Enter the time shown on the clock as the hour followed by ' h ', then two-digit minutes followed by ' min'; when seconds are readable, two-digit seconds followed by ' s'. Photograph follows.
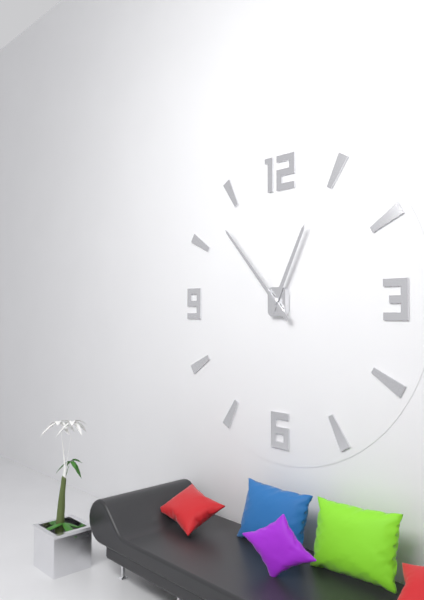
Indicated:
12 h 53 min
